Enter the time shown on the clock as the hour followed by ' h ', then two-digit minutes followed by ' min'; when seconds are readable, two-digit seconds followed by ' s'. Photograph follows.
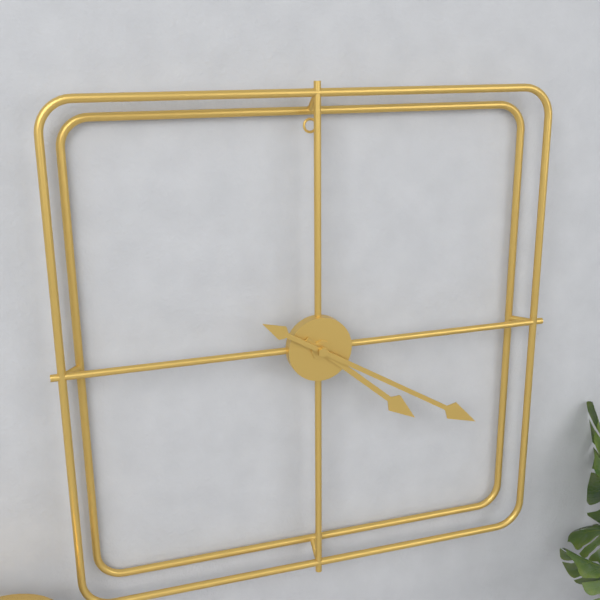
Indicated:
4 h 20 min
